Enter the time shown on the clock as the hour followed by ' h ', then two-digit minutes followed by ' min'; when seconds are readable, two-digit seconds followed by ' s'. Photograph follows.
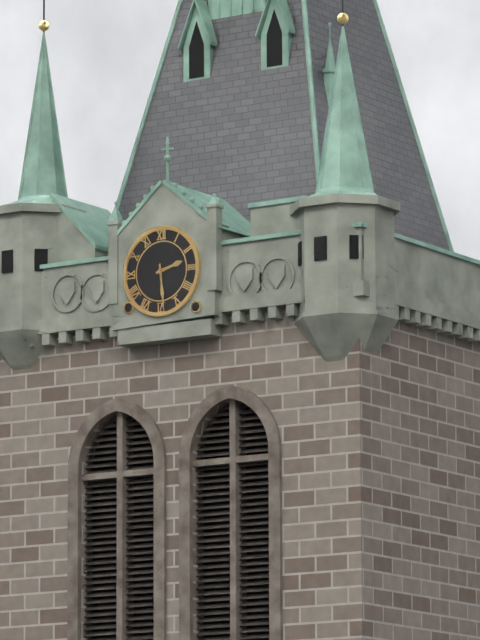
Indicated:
2 h 29 min
